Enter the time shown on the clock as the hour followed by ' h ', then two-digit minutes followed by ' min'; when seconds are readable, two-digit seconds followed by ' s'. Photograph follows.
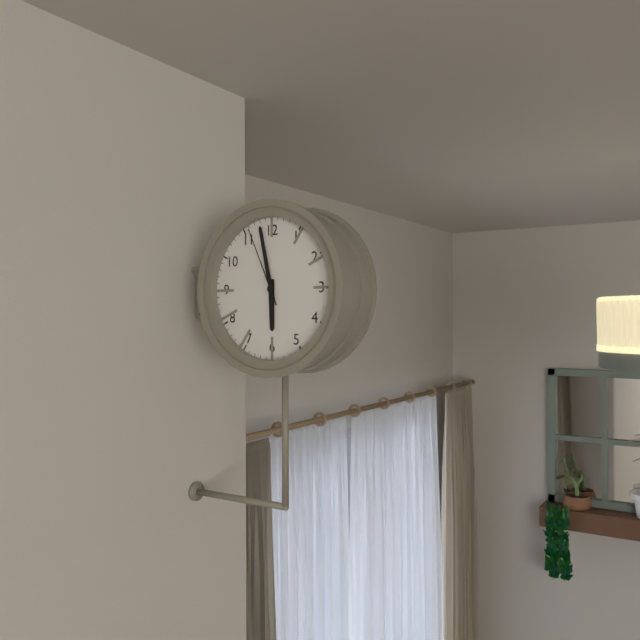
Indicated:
5 h 58 min 56 s
